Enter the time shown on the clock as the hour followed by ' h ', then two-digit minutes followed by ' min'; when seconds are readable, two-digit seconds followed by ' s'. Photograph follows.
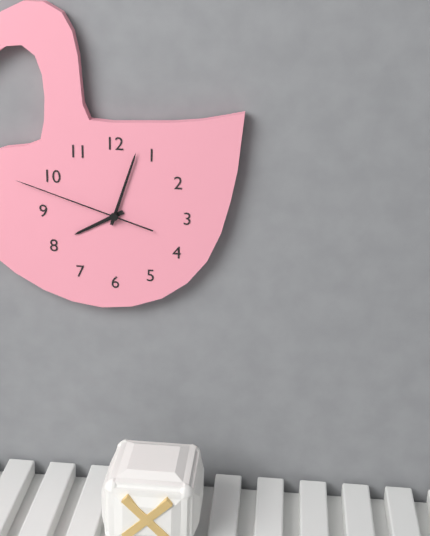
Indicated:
8 h 03 min 48 s
